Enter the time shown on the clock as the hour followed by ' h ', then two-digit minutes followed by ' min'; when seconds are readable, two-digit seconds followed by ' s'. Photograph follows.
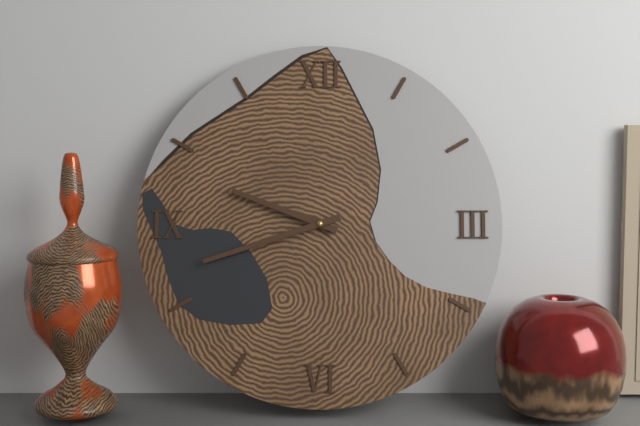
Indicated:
9 h 42 min
